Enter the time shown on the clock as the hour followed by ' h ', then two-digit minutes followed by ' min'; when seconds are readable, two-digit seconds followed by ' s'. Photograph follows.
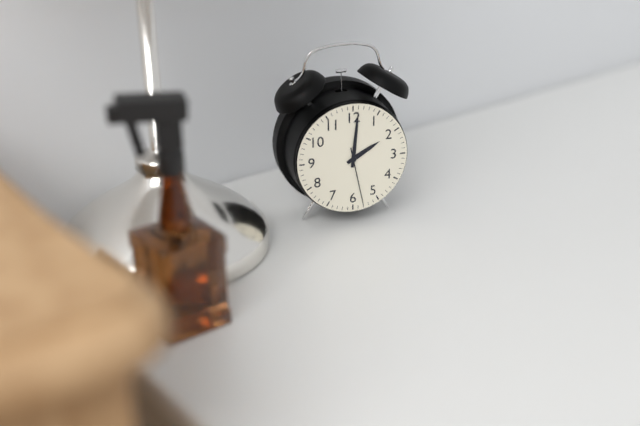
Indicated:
2 h 01 min 28 s
